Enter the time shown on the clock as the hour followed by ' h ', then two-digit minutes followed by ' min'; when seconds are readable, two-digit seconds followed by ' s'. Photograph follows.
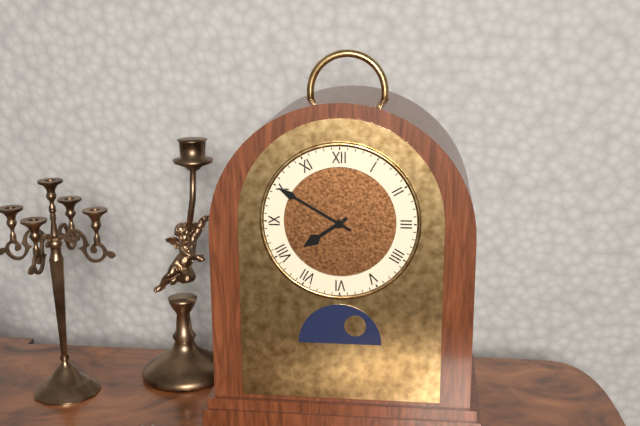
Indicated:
7 h 50 min
